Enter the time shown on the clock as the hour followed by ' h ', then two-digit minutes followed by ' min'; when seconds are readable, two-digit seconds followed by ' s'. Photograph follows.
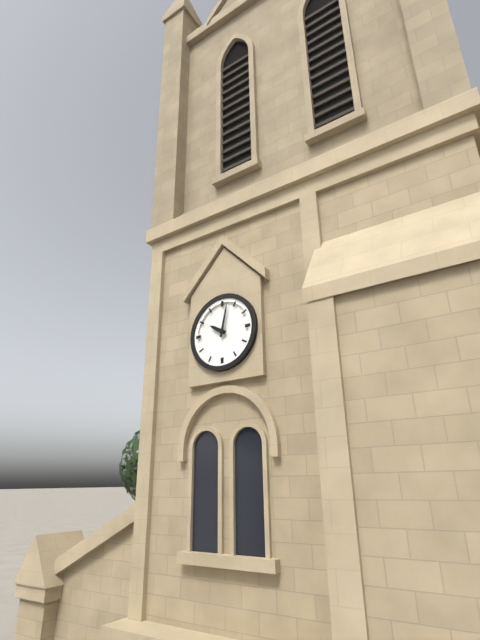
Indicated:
10 h 02 min
